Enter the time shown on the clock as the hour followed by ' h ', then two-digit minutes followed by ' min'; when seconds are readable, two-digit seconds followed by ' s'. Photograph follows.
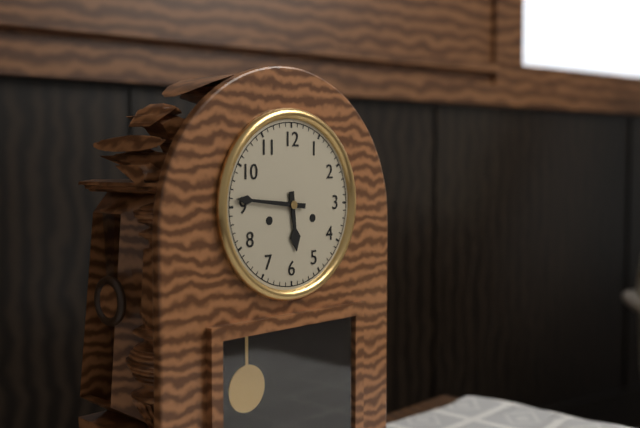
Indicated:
5 h 46 min
